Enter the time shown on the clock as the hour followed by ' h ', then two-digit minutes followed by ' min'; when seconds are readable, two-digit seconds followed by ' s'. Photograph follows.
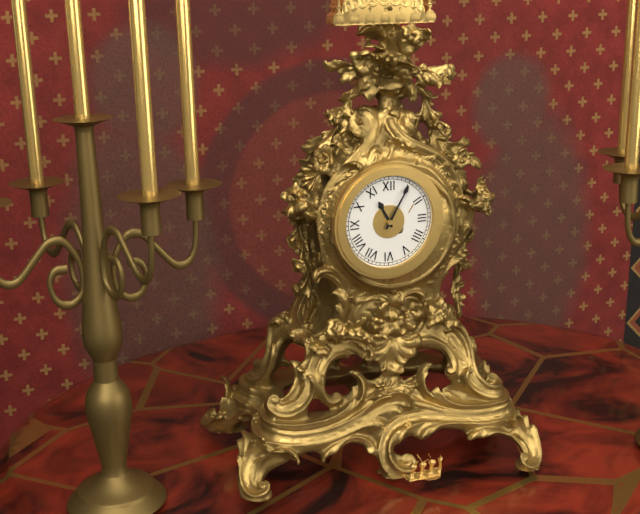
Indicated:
11 h 05 min
